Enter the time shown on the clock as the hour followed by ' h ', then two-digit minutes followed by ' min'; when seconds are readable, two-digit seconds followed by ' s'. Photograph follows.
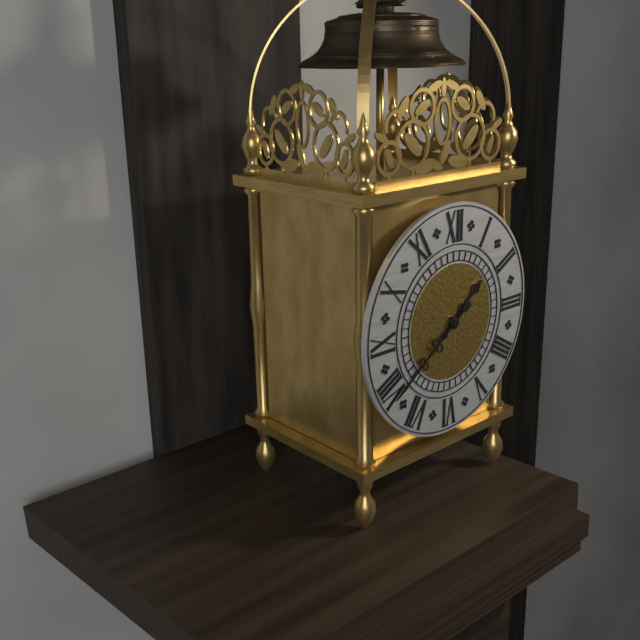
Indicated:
1 h 39 min
